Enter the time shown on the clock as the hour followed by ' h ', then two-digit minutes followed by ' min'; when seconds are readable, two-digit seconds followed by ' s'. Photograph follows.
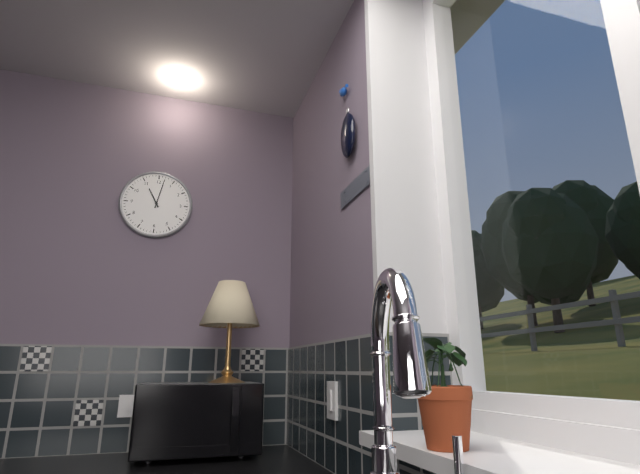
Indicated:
11 h 02 min
